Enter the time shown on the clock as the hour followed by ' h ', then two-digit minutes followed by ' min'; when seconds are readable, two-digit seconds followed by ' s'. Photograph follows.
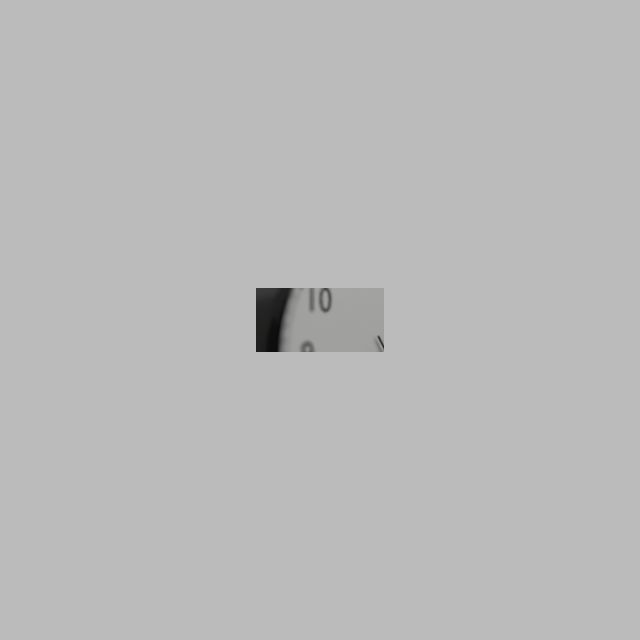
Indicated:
2 h 14 min 24 s
